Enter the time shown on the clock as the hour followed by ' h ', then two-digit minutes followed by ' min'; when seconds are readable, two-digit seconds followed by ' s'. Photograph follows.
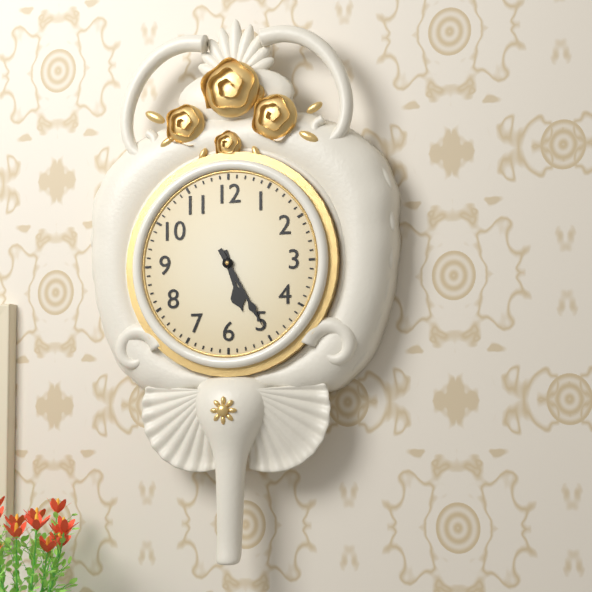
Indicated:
5 h 25 min
